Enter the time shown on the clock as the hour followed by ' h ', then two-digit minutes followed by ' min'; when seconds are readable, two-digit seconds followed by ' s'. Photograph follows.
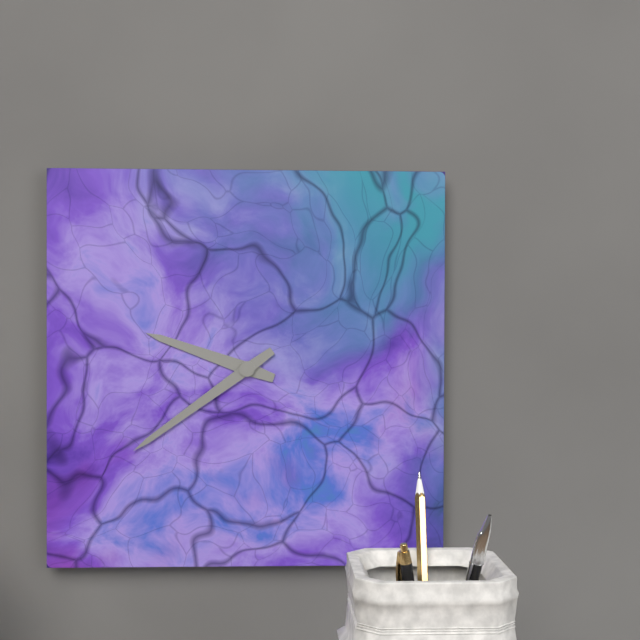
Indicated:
9 h 39 min
